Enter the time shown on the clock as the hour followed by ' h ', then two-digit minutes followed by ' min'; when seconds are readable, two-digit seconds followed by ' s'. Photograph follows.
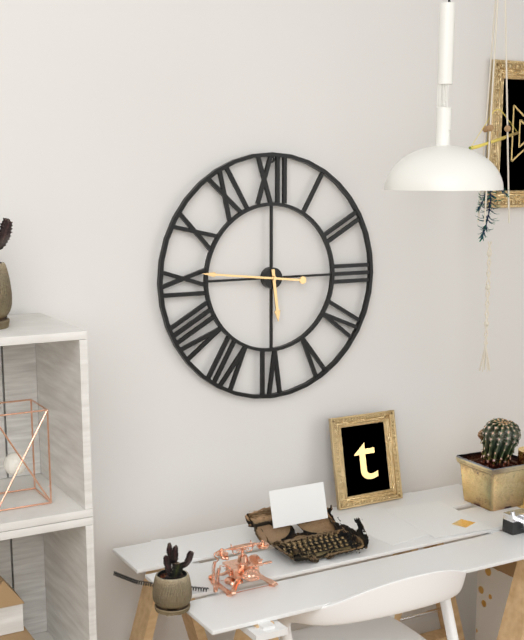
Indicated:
5 h 46 min
